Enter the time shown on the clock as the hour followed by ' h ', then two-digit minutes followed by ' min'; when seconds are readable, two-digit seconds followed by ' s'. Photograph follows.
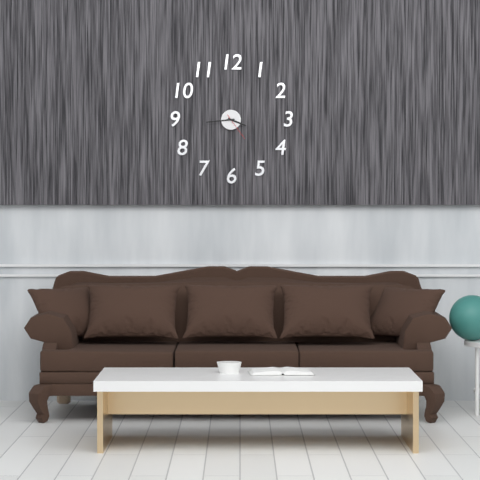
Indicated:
3 h 44 min
